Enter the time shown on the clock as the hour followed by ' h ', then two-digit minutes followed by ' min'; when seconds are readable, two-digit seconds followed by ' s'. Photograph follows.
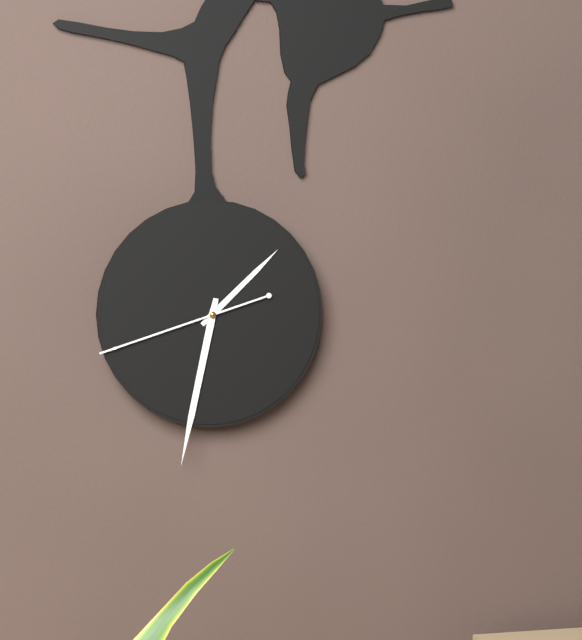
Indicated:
1 h 32 min 42 s
